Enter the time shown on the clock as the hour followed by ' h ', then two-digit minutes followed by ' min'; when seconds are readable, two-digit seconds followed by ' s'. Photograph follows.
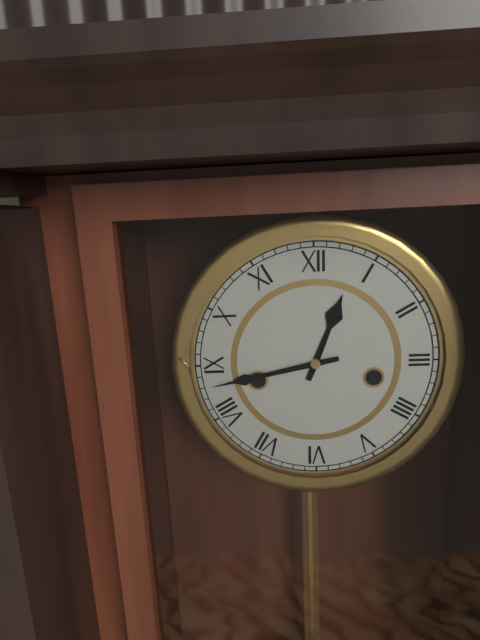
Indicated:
12 h 43 min
